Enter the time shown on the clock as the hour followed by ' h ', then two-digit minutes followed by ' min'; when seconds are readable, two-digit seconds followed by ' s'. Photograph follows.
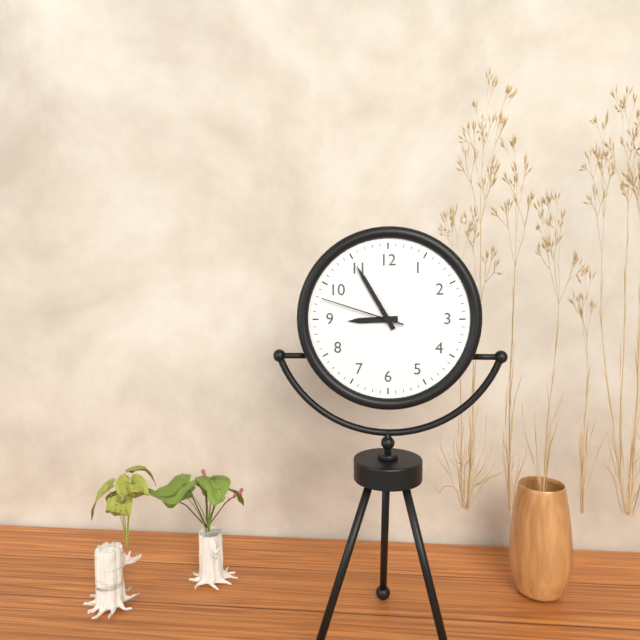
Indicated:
8 h 55 min 48 s
